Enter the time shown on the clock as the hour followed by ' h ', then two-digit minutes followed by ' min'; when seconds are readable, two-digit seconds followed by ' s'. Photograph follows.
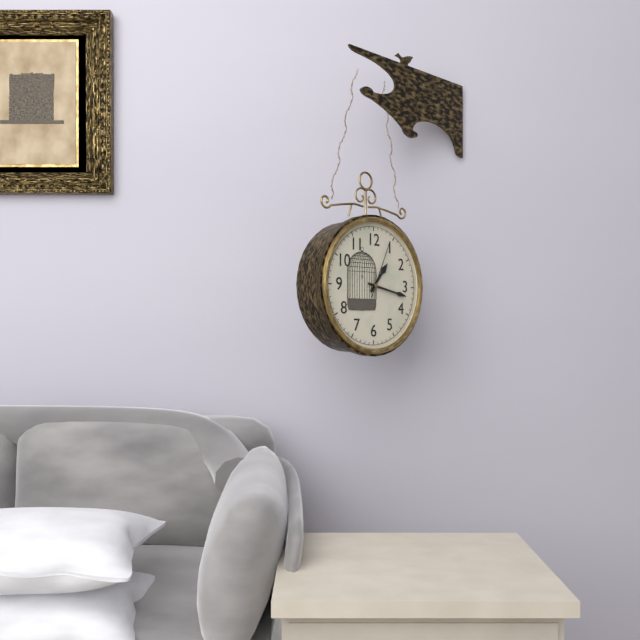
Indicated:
1 h 17 min 04 s
